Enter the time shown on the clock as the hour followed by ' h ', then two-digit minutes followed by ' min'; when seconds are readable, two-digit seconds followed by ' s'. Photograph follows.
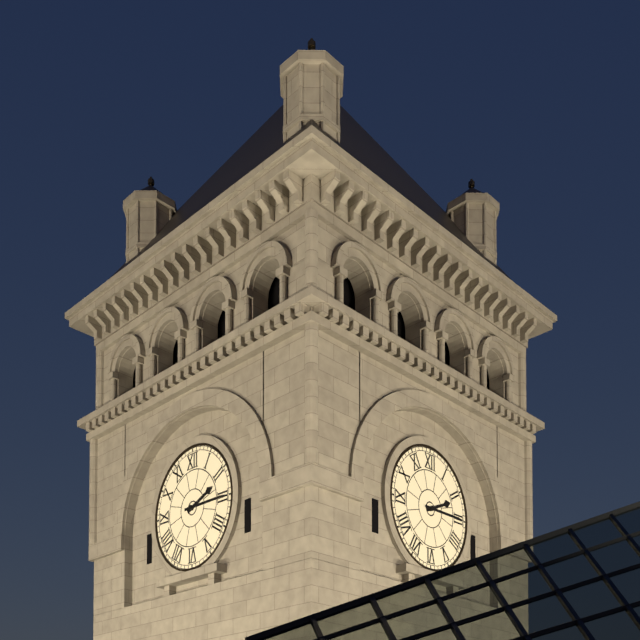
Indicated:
2 h 15 min
